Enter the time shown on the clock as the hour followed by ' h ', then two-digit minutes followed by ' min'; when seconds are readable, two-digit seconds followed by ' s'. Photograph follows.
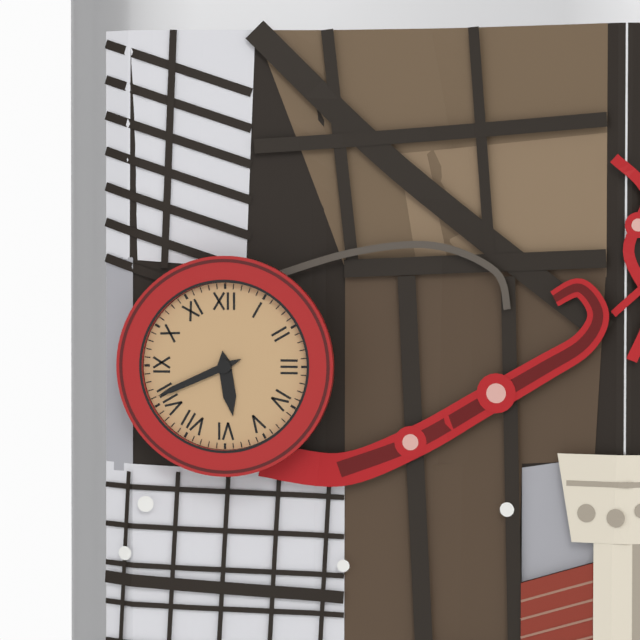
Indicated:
5 h 41 min
